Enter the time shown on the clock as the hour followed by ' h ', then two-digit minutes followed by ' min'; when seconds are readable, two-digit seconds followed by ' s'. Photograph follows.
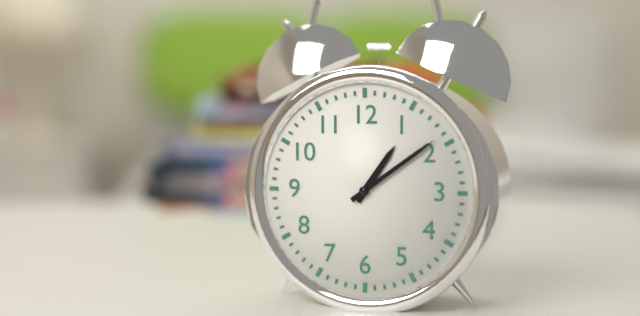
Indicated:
1 h 09 min
